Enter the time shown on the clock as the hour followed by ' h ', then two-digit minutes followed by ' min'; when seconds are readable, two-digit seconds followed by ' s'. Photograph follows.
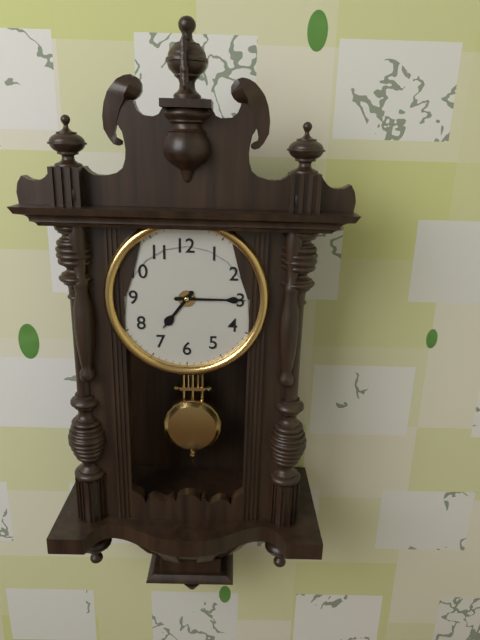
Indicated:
7 h 15 min
